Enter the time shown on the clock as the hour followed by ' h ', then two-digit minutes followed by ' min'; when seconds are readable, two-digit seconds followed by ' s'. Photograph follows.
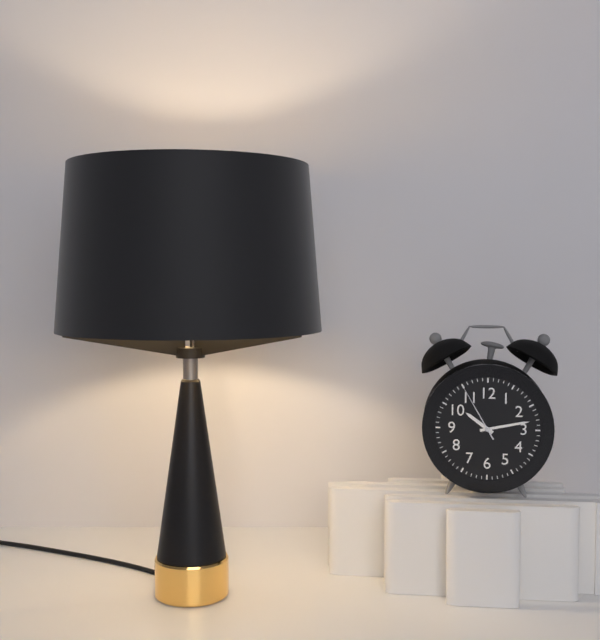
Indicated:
10 h 13 min 55 s
